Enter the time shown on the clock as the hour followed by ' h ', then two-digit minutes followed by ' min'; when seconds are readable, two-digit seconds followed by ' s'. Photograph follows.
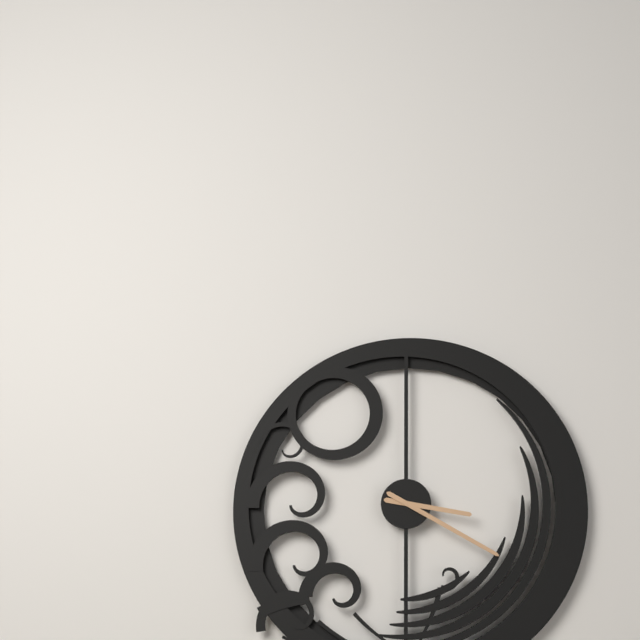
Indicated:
3 h 20 min
